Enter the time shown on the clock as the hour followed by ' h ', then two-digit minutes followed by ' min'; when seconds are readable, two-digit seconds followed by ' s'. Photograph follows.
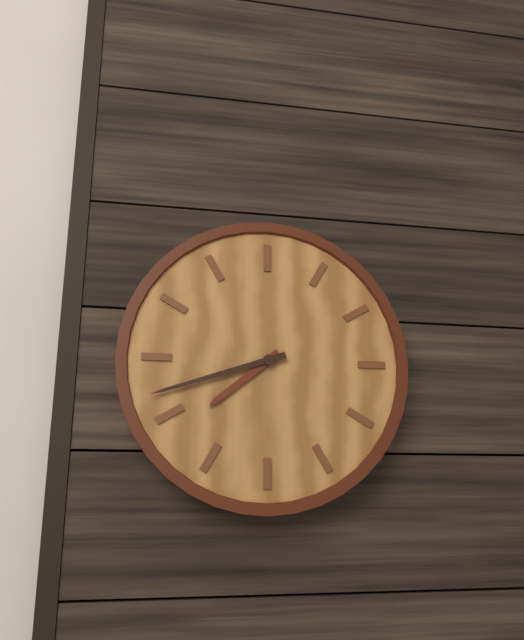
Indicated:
7 h 42 min
